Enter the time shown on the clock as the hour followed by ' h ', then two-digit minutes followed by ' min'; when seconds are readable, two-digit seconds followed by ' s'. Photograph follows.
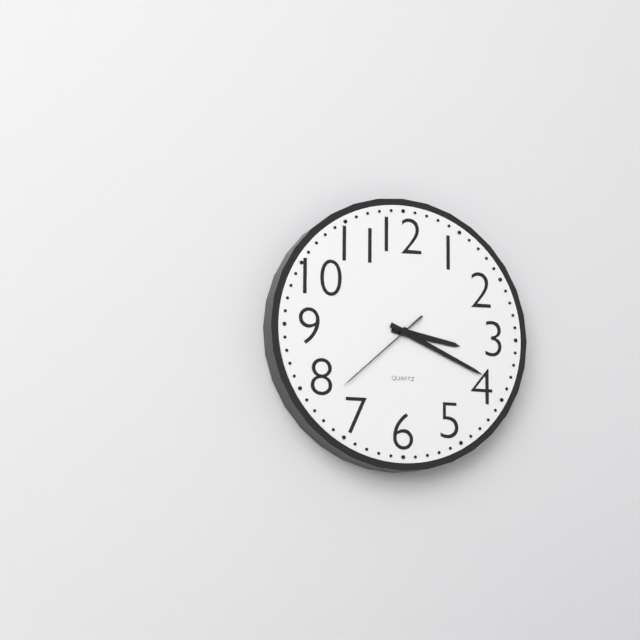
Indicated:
3 h 19 min 38 s
